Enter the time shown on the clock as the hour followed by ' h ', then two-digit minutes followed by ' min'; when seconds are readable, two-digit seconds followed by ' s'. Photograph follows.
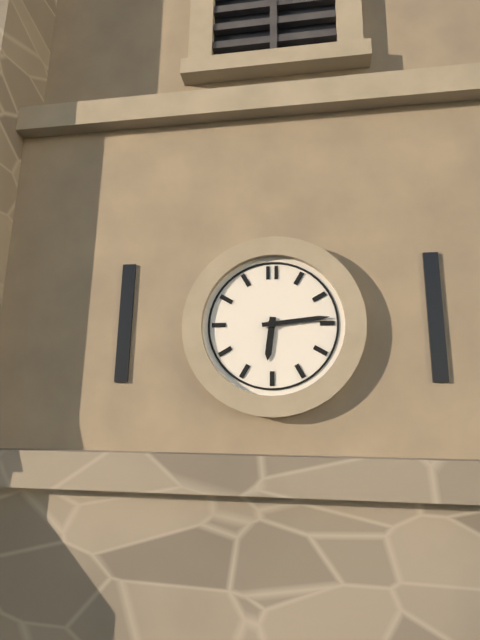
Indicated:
6 h 14 min
